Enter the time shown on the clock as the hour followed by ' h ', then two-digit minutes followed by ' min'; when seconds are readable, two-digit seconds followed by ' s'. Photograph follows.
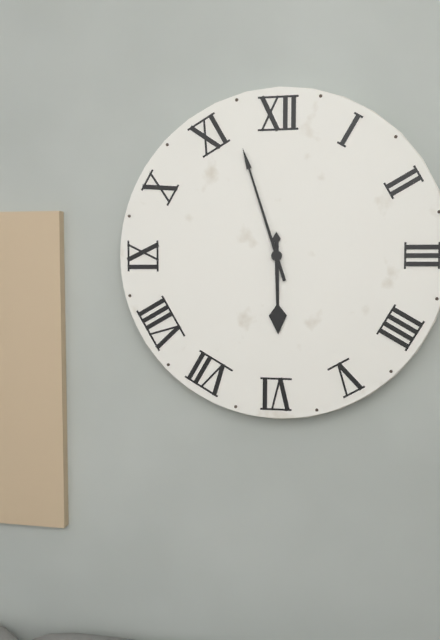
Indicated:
5 h 57 min
